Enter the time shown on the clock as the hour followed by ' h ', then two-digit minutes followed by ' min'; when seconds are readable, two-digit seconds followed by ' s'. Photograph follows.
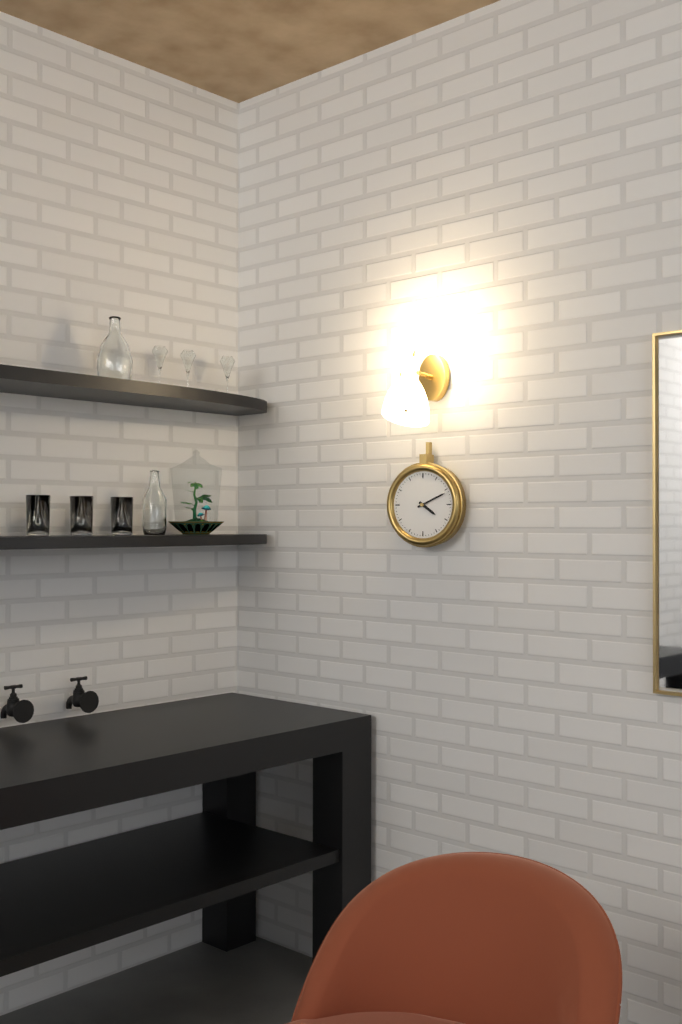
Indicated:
4 h 11 min
